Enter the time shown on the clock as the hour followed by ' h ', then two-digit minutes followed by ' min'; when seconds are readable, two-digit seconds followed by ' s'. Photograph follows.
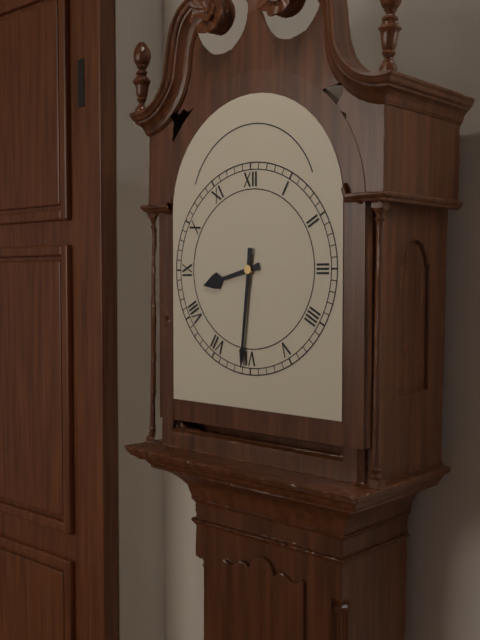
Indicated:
8 h 31 min
